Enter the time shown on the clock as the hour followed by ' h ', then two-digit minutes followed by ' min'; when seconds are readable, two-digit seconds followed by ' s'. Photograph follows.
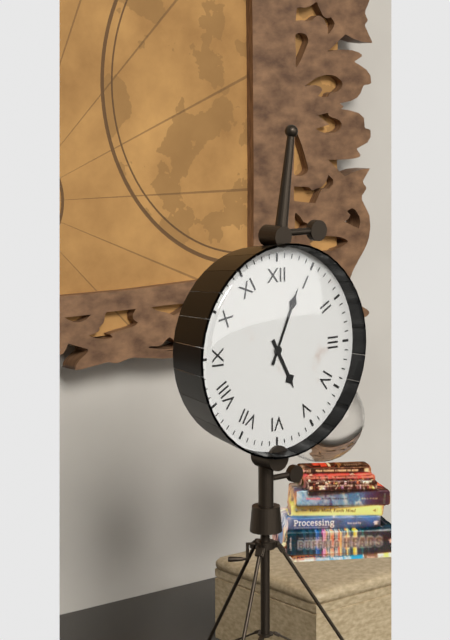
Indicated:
5 h 04 min
